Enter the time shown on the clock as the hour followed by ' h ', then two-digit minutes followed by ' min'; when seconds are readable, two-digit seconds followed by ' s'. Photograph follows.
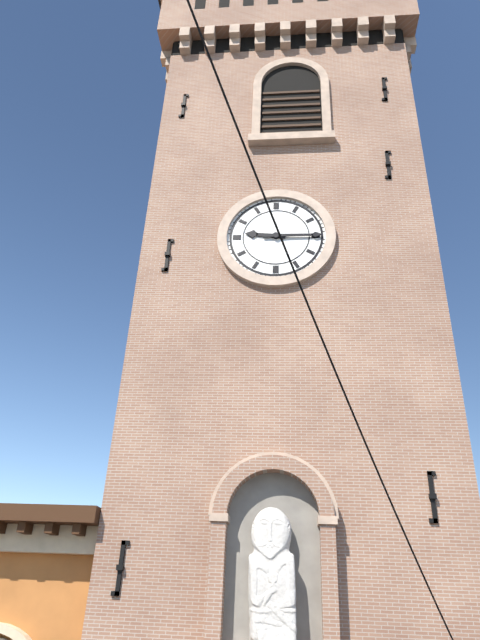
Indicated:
9 h 15 min
